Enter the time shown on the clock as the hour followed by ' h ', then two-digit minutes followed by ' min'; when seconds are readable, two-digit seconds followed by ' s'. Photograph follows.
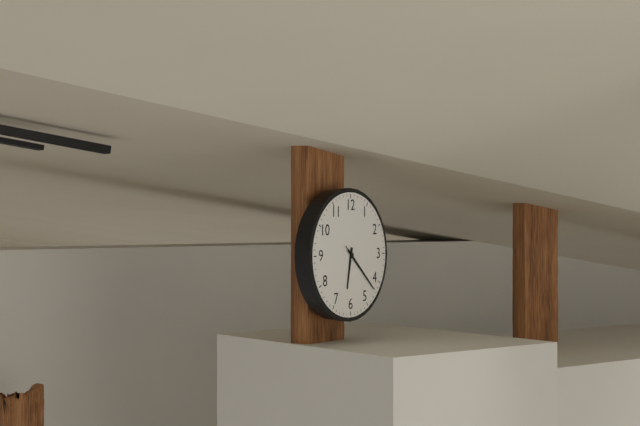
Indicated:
6 h 22 min 22 s
